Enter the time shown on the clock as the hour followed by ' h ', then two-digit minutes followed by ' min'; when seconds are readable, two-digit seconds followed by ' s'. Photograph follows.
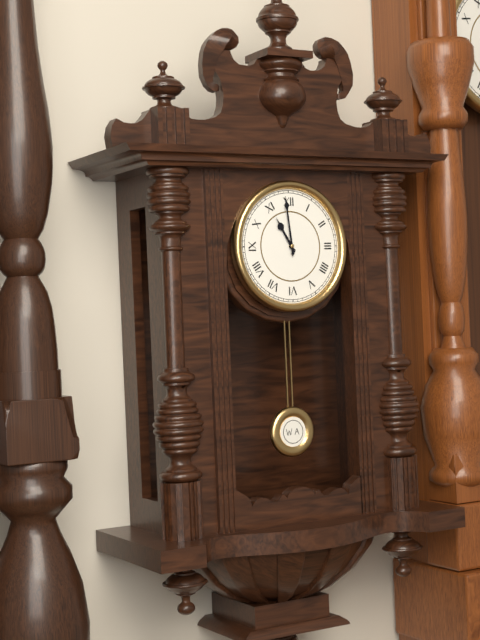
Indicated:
10 h 59 min
